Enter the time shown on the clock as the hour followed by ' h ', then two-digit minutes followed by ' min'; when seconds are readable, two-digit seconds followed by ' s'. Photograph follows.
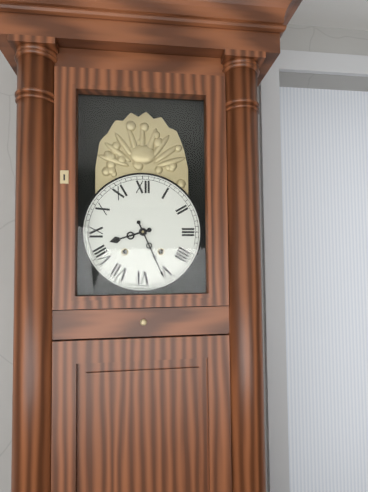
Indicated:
8 h 26 min
